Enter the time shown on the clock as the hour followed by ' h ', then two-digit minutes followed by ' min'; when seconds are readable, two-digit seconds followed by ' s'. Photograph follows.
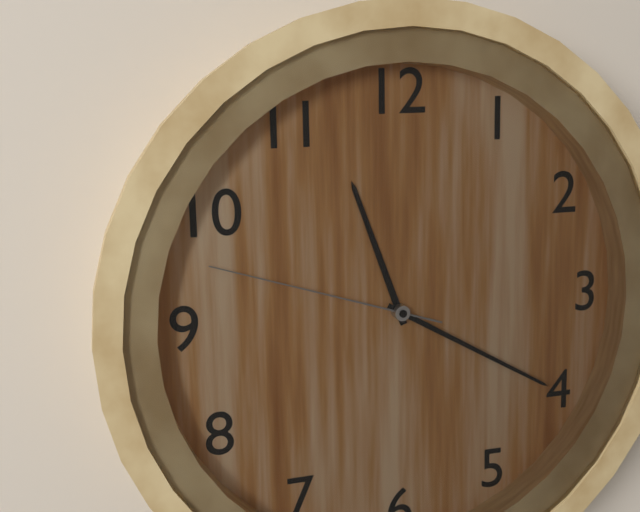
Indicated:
11 h 20 min 48 s
